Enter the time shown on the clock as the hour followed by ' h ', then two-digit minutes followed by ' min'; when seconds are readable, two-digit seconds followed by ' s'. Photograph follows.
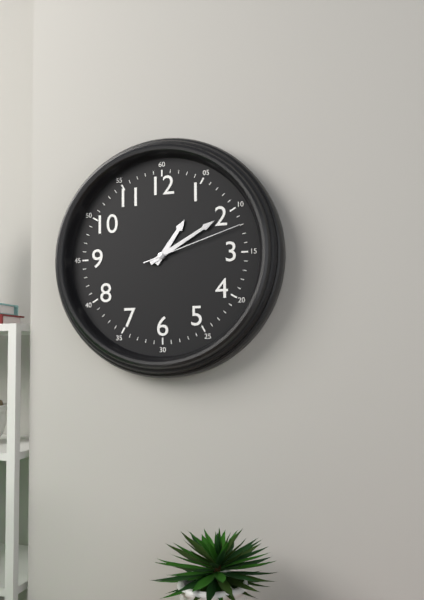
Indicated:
1 h 10 min 12 s
